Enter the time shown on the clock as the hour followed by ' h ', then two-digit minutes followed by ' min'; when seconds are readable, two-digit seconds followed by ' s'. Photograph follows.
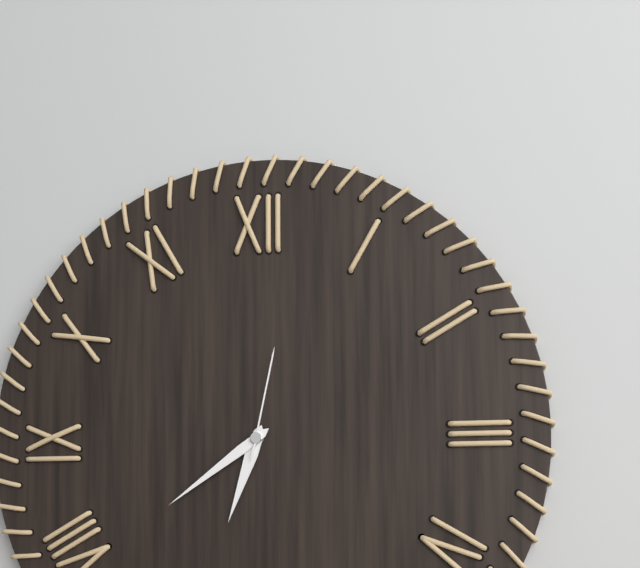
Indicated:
6 h 39 min 02 s
